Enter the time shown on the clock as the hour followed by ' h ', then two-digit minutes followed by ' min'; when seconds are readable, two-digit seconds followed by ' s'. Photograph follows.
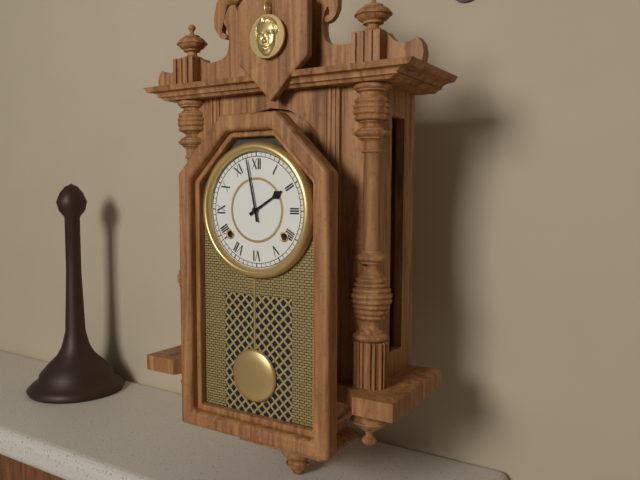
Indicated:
1 h 58 min
